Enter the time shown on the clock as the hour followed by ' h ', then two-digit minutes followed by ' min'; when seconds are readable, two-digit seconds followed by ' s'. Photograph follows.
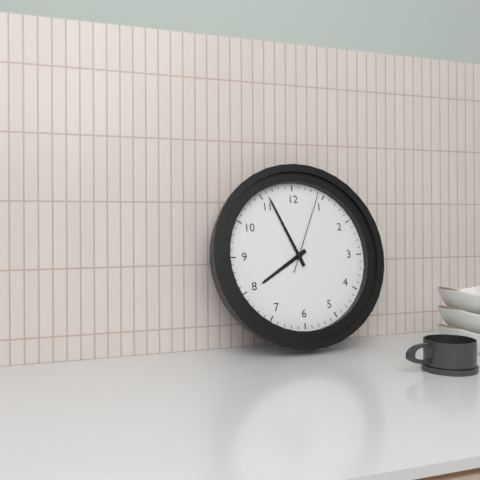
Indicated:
7 h 56 min 04 s
